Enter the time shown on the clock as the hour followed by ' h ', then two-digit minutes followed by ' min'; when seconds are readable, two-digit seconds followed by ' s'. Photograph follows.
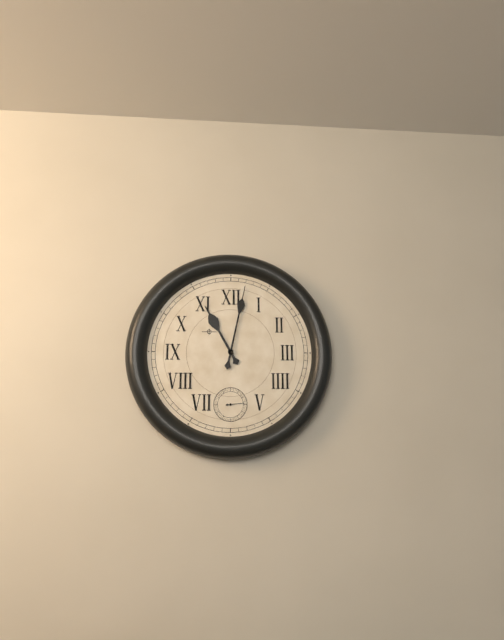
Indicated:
11 h 02 min
